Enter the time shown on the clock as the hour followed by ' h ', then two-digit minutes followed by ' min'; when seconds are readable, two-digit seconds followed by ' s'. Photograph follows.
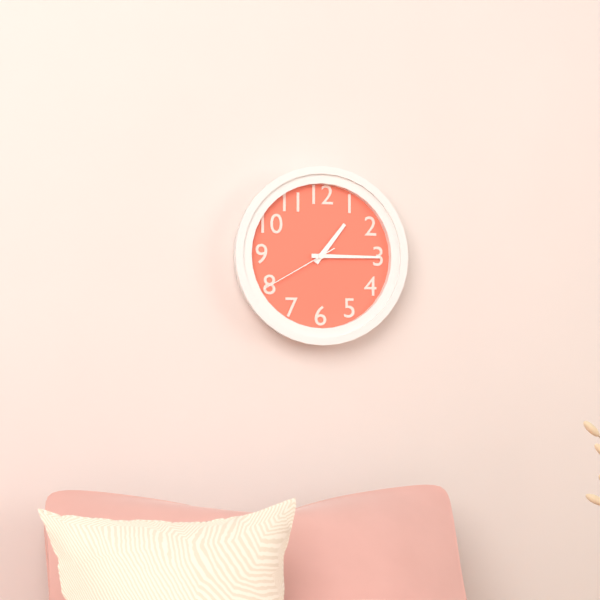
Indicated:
1 h 15 min 40 s
